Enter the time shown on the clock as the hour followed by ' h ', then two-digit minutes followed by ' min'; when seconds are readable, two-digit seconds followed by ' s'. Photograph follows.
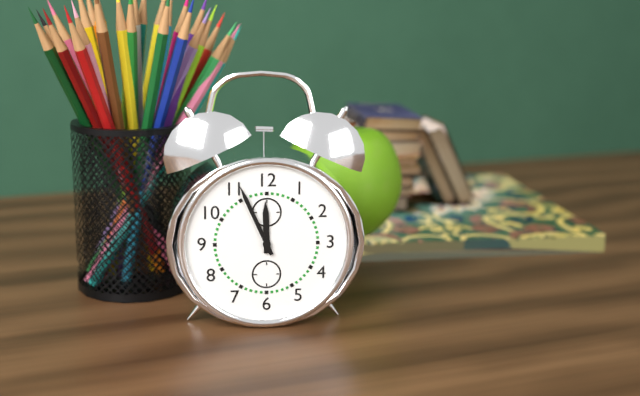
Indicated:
11 h 56 min
